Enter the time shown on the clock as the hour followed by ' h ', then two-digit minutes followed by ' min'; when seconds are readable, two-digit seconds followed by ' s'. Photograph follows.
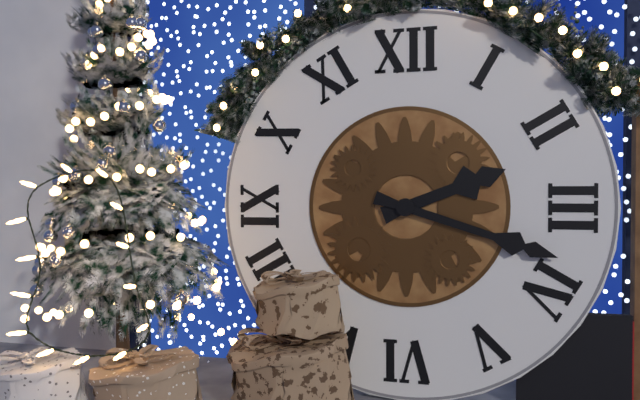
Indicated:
2 h 18 min
